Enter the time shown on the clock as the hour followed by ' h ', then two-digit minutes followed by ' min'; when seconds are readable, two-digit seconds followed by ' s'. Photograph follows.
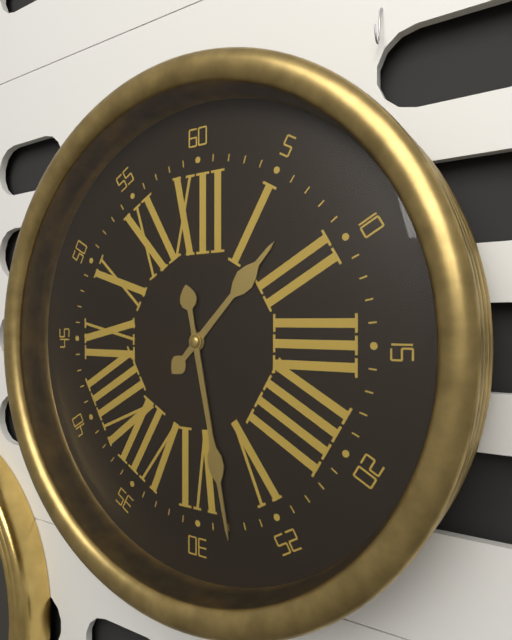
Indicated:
1 h 28 min
